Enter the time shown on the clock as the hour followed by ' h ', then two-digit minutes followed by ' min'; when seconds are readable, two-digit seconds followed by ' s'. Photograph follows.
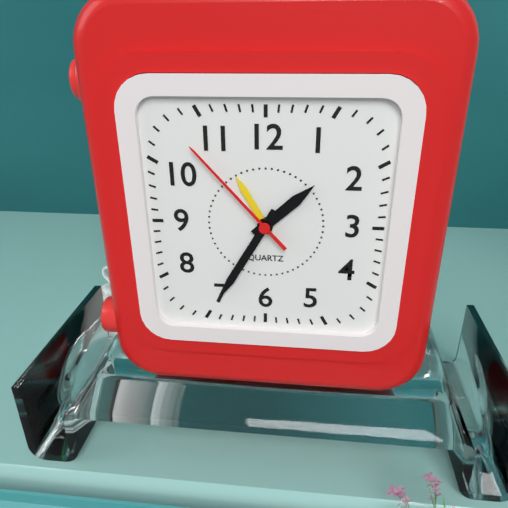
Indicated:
1 h 35 min 53 s
